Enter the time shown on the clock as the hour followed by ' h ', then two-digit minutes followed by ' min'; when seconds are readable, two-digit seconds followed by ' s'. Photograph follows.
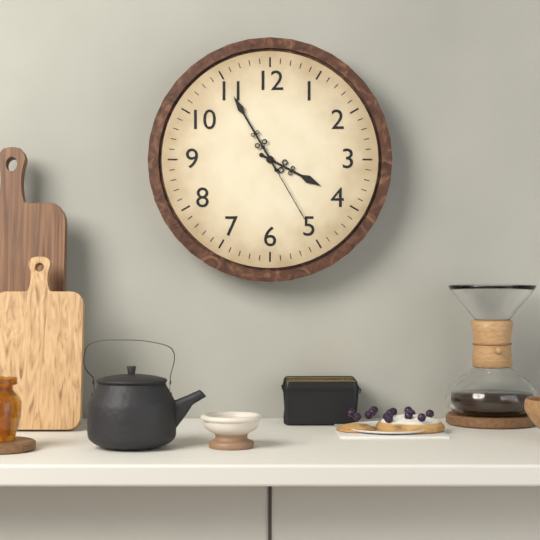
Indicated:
3 h 55 min 25 s
